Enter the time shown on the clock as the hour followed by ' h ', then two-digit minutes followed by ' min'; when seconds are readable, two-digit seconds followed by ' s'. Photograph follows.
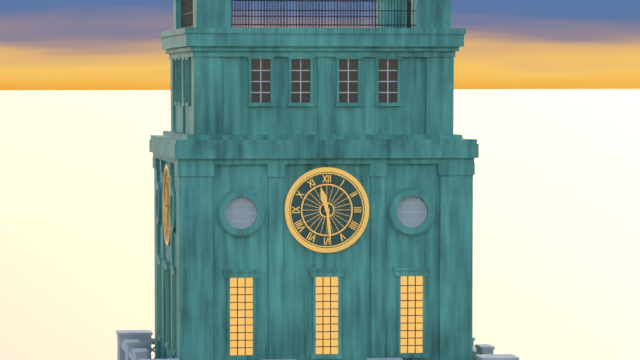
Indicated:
11 h 29 min
